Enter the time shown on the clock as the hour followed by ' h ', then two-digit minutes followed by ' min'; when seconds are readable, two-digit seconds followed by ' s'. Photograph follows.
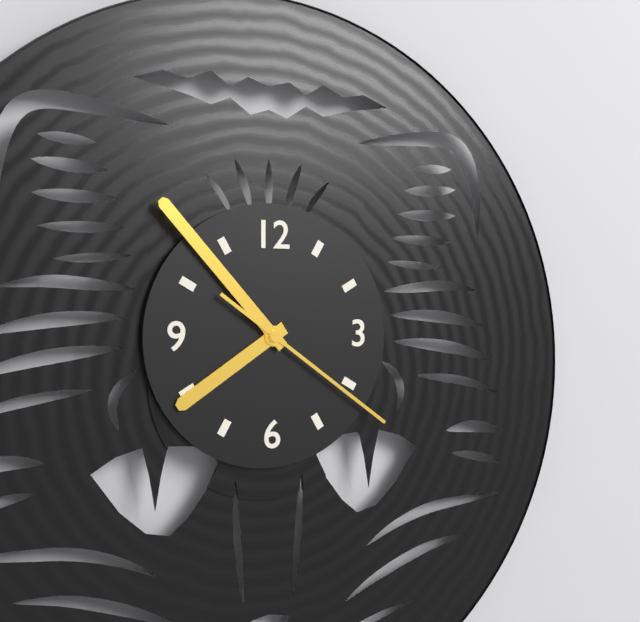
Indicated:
7 h 53 min 21 s
